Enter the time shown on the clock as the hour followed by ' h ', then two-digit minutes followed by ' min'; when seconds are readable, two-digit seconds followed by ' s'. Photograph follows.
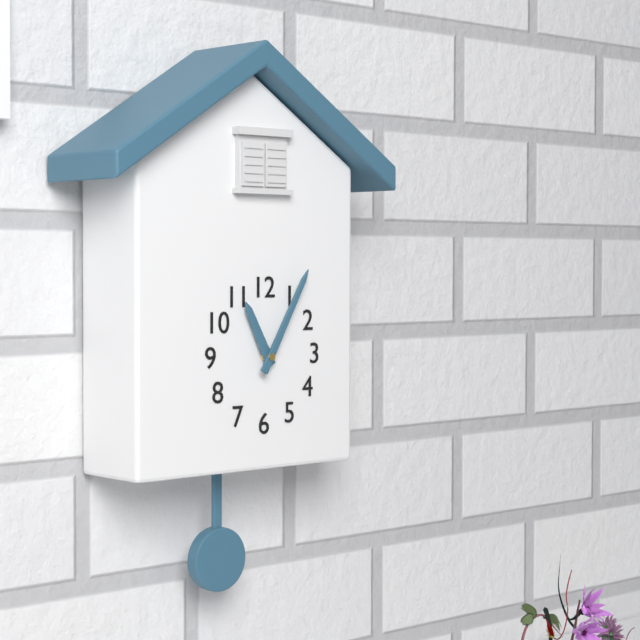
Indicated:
11 h 05 min
